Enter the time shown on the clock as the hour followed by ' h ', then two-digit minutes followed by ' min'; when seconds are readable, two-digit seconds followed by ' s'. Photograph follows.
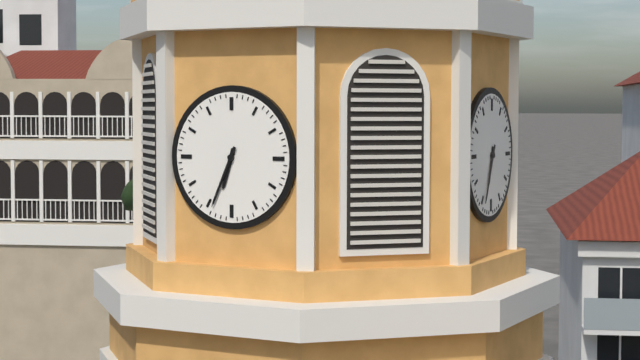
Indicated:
6 h 34 min
